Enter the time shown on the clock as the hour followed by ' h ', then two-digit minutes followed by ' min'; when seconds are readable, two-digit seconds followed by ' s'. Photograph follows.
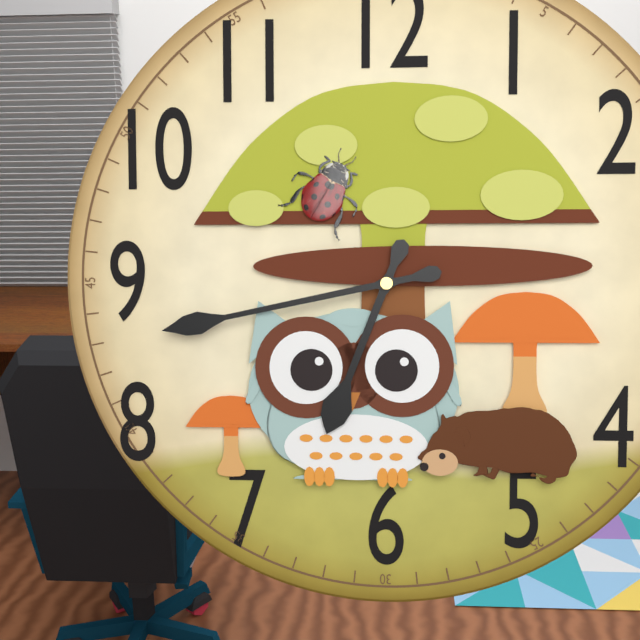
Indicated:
6 h 43 min
